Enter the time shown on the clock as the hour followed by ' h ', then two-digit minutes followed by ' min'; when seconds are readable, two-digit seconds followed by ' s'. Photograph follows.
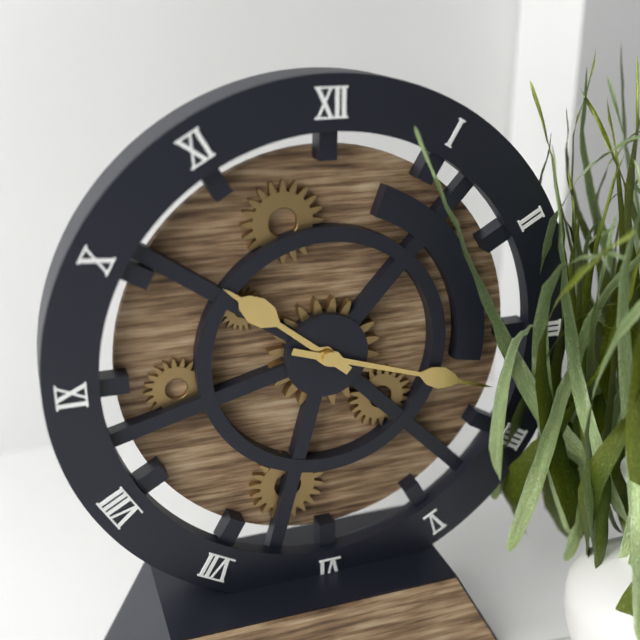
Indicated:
10 h 18 min
